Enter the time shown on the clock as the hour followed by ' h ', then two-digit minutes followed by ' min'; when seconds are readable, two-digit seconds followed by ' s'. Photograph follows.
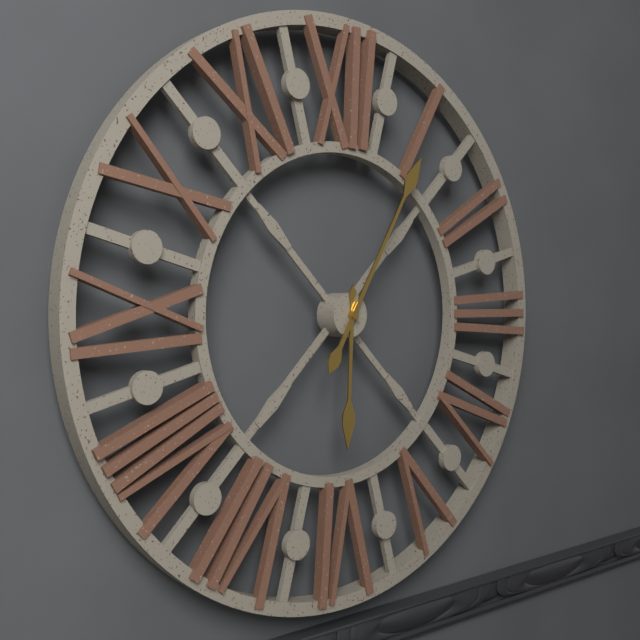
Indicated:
6 h 05 min
